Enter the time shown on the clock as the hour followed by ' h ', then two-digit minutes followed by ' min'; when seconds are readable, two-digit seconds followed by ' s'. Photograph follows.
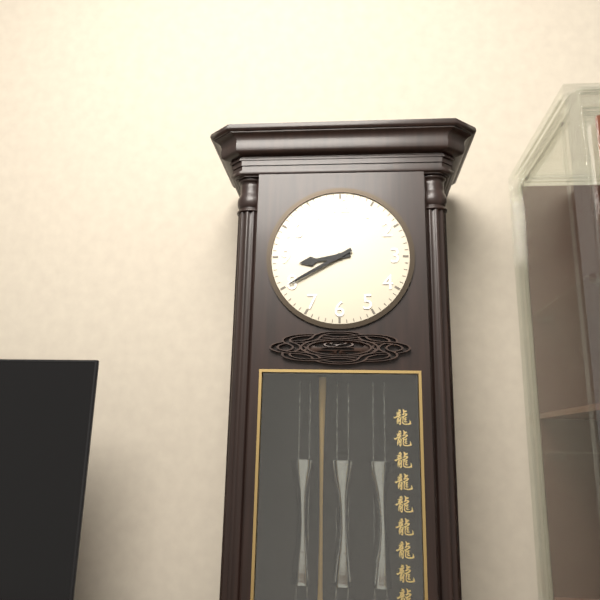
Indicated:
8 h 40 min
